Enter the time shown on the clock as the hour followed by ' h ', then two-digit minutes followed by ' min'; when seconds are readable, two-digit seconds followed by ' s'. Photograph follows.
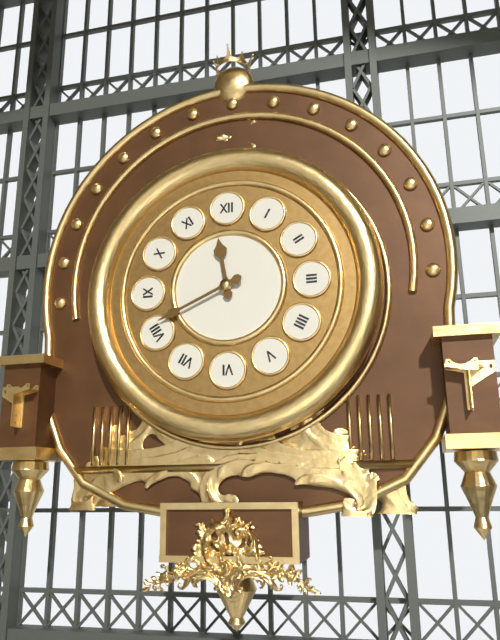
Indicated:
11 h 41 min
